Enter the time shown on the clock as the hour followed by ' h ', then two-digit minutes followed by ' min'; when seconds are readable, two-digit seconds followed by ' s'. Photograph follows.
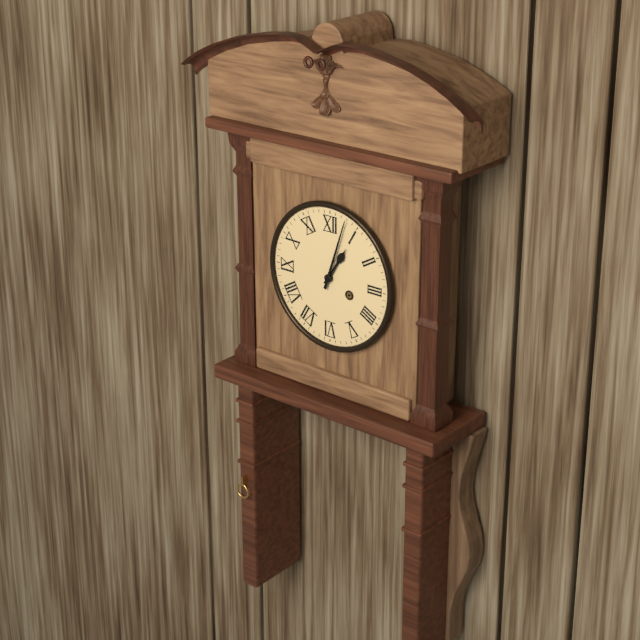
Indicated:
1 h 03 min
